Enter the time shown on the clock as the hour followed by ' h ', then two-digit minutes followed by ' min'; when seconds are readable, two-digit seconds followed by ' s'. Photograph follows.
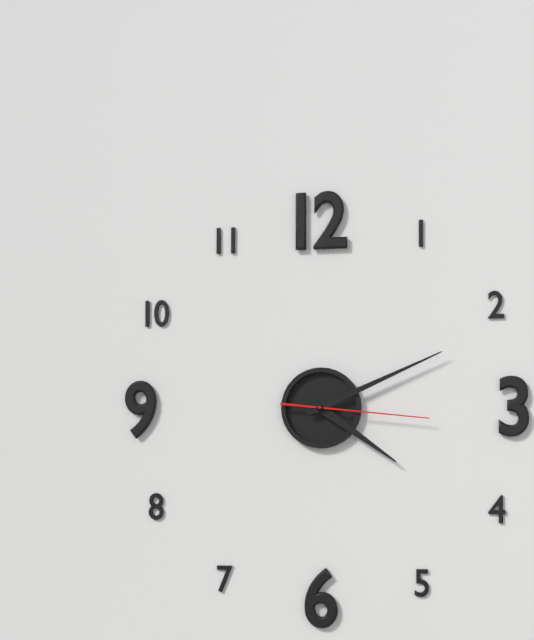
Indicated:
4 h 11 min 16 s
